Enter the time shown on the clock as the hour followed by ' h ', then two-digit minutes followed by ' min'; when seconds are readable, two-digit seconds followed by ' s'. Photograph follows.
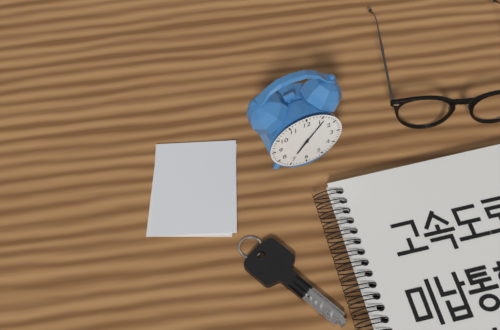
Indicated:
7 h 06 min
